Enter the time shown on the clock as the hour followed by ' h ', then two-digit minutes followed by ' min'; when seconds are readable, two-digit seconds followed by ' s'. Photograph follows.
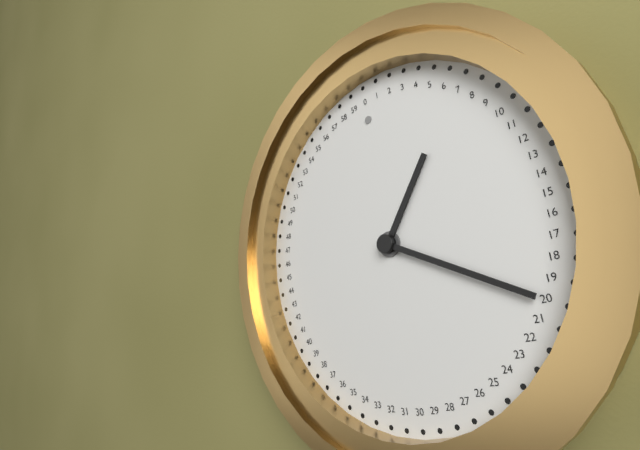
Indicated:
1 h 20 min
